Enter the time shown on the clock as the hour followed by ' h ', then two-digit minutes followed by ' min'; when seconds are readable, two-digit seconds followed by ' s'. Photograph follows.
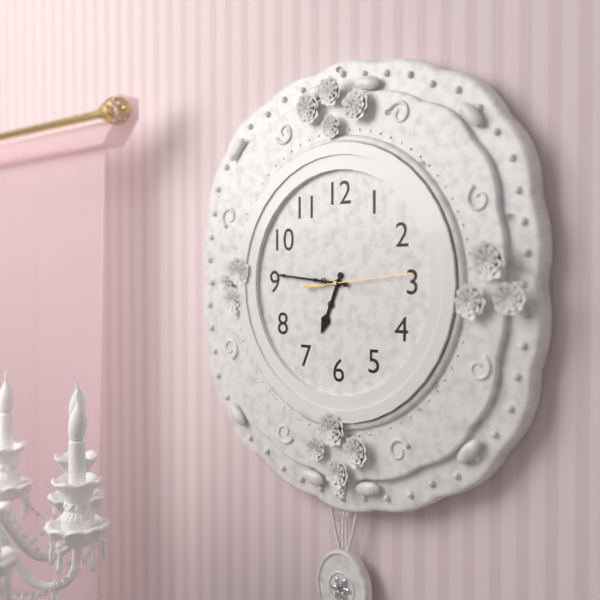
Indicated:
6 h 46 min 14 s
